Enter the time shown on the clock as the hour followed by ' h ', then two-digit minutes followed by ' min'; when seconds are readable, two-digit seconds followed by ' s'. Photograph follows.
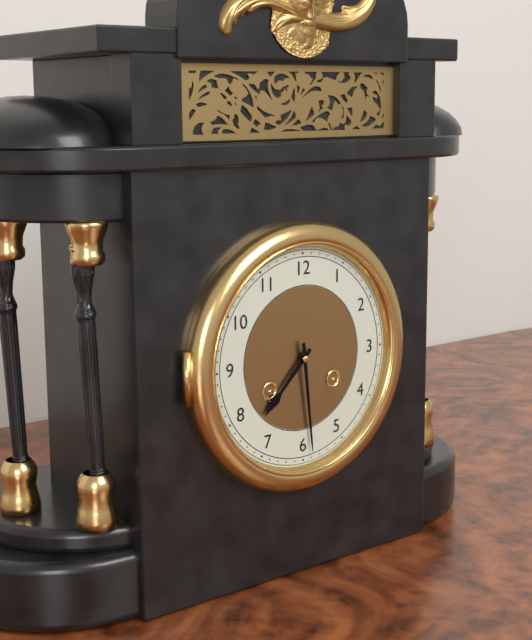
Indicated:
7 h 29 min
